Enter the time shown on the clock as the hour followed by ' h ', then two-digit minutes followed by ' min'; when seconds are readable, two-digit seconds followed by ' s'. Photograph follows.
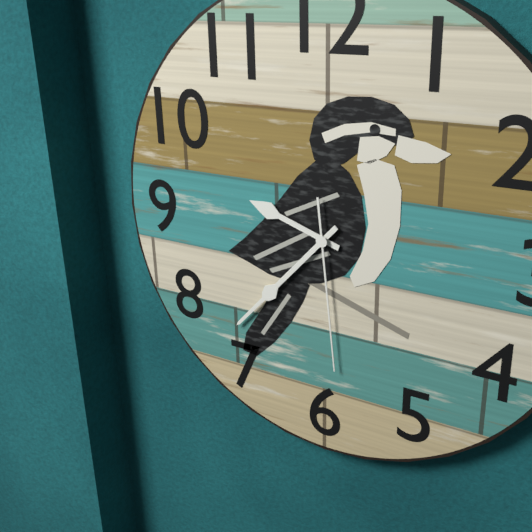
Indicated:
9 h 37 min 29 s
